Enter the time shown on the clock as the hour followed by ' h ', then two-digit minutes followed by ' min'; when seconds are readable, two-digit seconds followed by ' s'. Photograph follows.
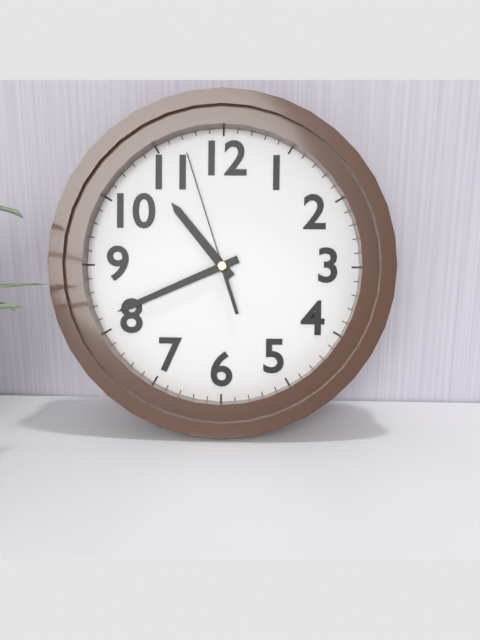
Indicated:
10 h 41 min 57 s
